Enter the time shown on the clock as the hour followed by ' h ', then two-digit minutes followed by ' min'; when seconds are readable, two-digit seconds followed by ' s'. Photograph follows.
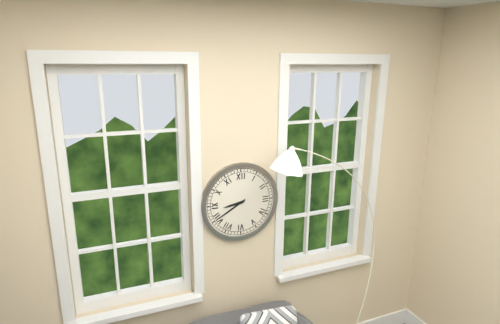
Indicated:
8 h 40 min
